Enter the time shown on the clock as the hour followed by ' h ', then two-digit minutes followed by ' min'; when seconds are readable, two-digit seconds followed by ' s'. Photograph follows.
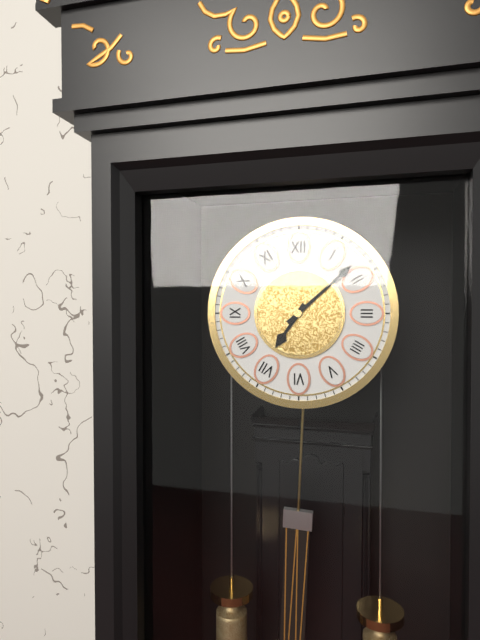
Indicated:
7 h 08 min
